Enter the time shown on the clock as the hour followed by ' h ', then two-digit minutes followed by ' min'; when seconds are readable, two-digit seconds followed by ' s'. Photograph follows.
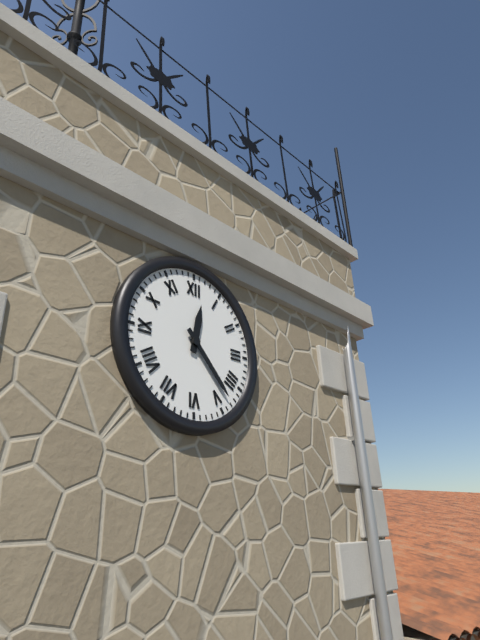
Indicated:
12 h 23 min
